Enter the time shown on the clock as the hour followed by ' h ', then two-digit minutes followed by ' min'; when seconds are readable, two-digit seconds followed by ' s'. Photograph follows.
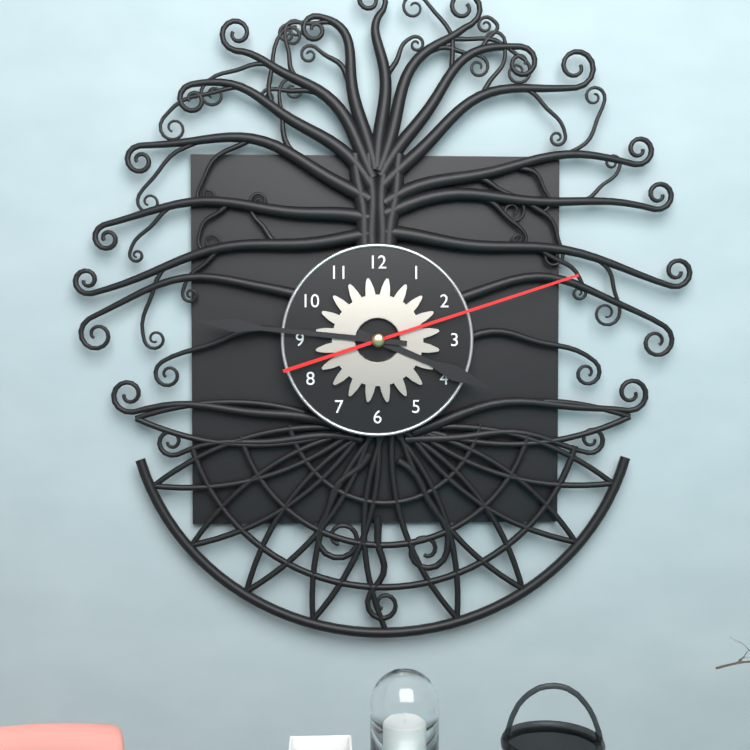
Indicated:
3 h 46 min 12 s
